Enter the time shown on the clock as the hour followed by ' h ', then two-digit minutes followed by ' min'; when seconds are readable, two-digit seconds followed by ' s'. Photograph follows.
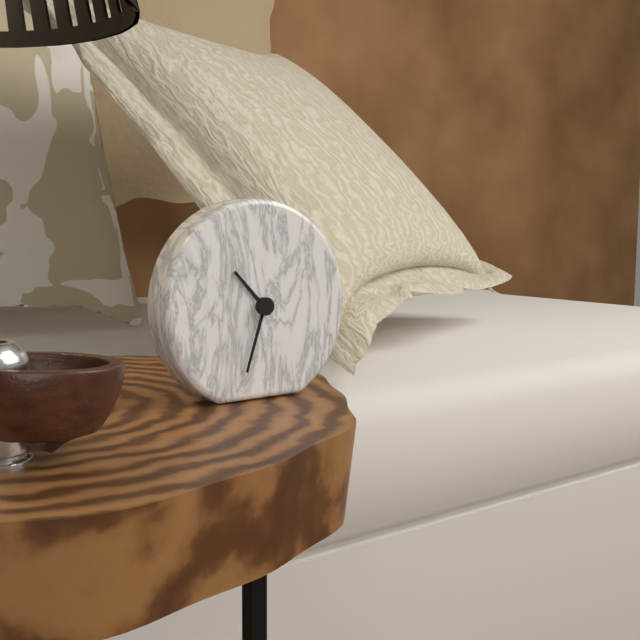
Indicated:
10 h 33 min
